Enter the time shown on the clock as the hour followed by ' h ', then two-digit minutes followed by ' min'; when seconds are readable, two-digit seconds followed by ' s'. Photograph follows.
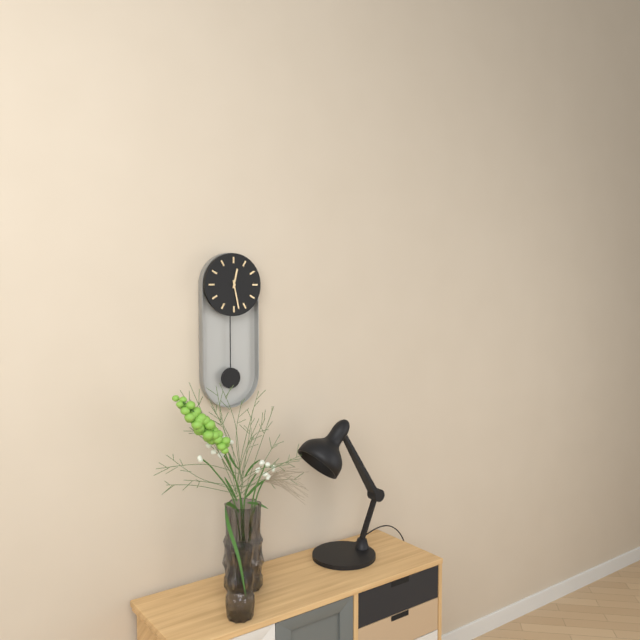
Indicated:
12 h 28 min
